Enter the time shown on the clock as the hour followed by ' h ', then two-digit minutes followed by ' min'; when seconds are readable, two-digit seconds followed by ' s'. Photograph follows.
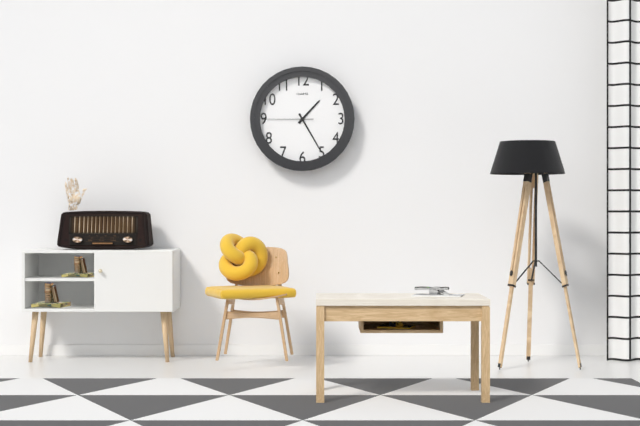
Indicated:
1 h 25 min 45 s
